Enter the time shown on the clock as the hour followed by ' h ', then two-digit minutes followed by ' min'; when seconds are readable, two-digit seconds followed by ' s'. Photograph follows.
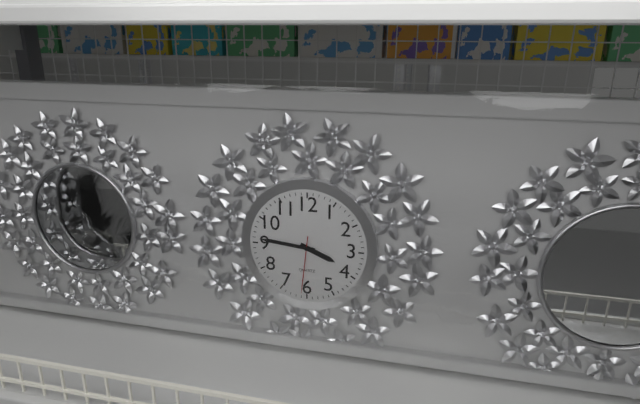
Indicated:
3 h 46 min 31 s
